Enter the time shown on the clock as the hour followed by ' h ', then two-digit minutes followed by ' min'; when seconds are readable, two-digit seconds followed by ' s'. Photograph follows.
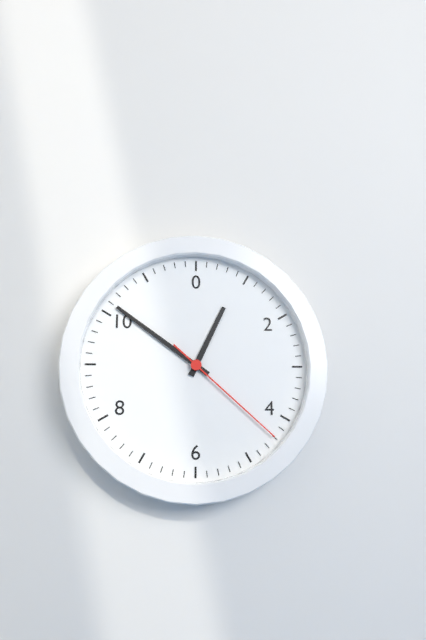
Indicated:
12 h 51 min 22 s
